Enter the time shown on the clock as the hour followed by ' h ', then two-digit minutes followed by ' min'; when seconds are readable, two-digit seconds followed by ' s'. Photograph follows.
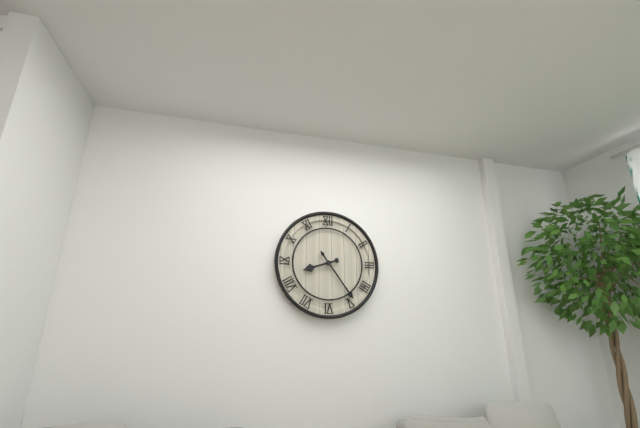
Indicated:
8 h 24 min
